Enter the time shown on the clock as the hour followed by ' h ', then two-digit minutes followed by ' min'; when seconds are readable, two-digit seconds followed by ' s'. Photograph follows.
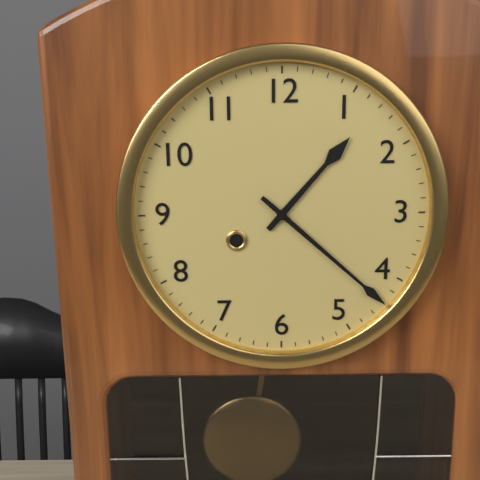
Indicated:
1 h 22 min
